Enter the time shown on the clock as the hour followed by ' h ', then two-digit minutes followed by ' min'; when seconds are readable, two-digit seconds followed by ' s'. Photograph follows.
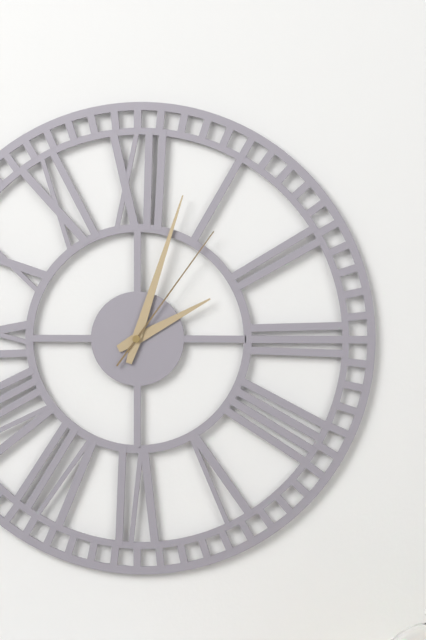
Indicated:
2 h 03 min 06 s
